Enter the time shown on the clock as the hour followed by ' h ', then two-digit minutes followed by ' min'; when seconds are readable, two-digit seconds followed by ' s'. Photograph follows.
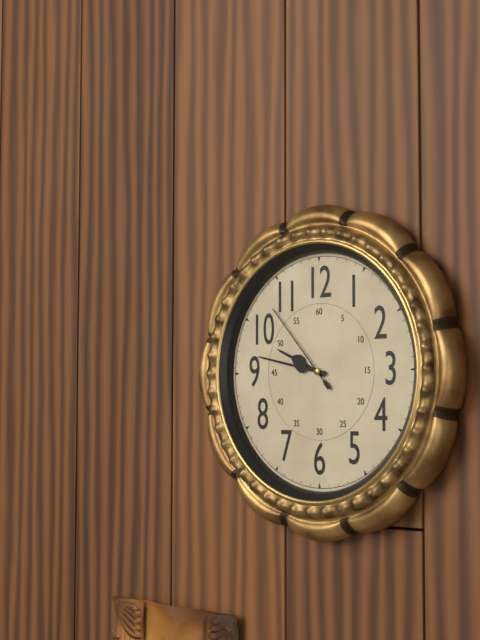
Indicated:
9 h 47 min 53 s
